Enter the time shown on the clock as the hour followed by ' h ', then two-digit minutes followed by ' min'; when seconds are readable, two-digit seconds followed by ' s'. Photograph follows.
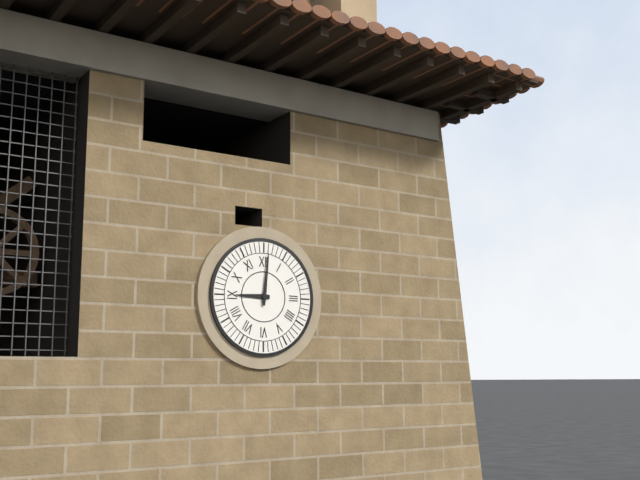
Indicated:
9 h 01 min
